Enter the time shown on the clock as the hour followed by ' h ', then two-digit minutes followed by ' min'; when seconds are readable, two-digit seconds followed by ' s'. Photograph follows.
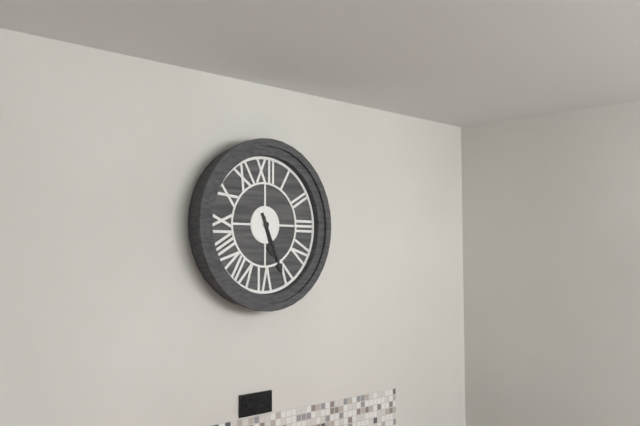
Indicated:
5 h 26 min
